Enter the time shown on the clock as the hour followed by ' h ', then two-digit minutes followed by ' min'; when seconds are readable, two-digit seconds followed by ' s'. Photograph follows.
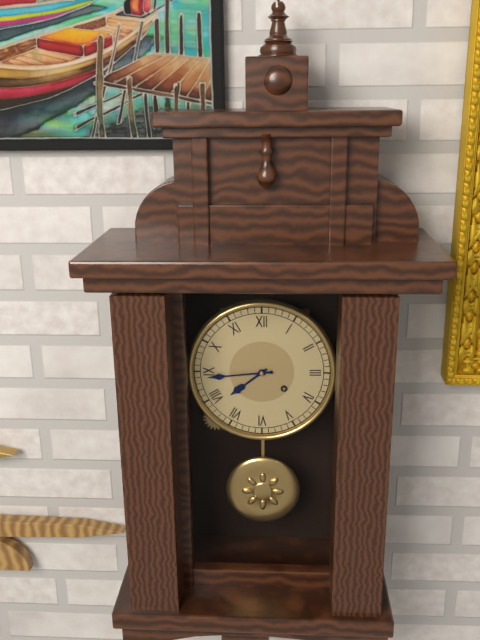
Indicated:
7 h 44 min
